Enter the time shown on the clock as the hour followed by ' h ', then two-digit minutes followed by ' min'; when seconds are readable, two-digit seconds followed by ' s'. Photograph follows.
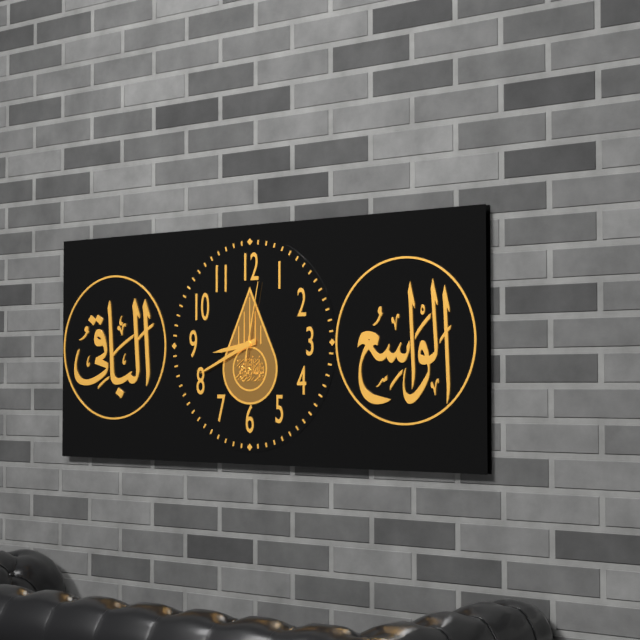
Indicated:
8 h 41 min 02 s
